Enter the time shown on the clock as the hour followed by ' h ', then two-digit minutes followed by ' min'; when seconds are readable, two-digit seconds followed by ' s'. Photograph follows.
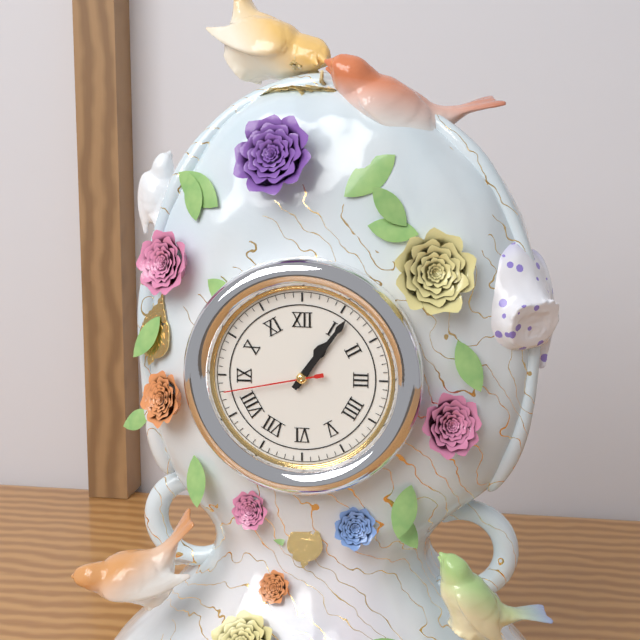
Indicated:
1 h 06 min 43 s
